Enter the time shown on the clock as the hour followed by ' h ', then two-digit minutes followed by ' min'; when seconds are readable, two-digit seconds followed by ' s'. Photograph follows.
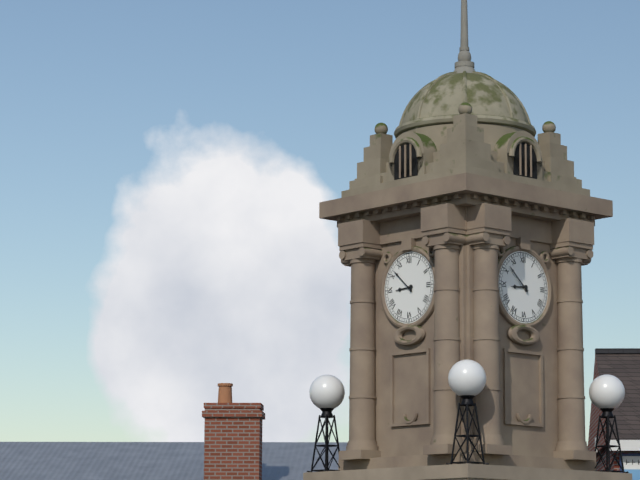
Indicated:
8 h 52 min
